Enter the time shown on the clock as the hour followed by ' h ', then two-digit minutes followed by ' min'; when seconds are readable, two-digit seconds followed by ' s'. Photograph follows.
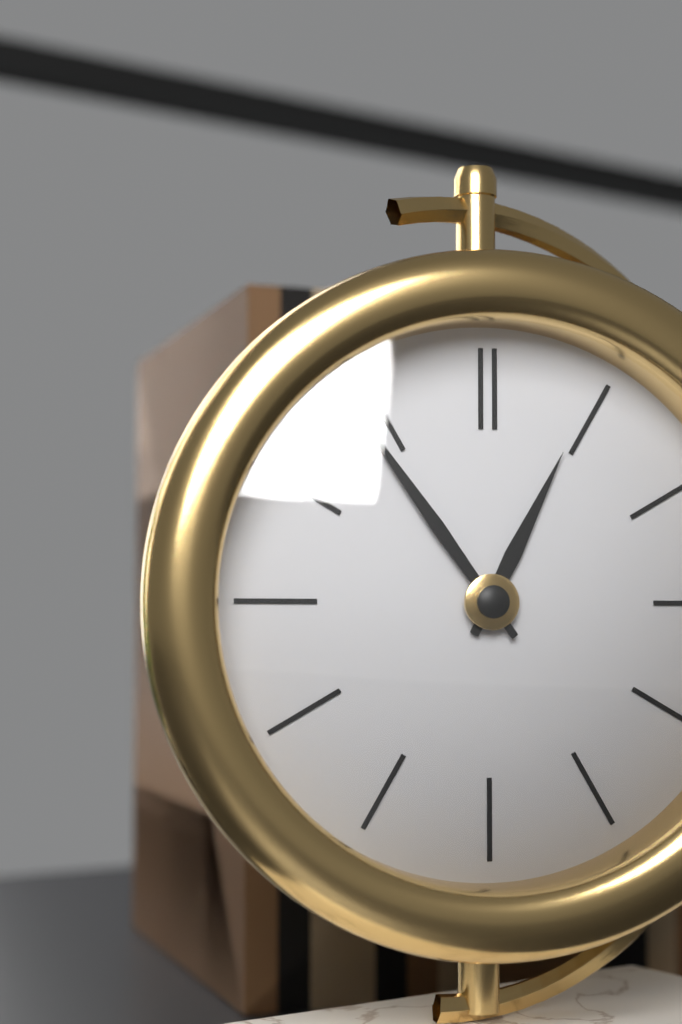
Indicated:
12 h 54 min
